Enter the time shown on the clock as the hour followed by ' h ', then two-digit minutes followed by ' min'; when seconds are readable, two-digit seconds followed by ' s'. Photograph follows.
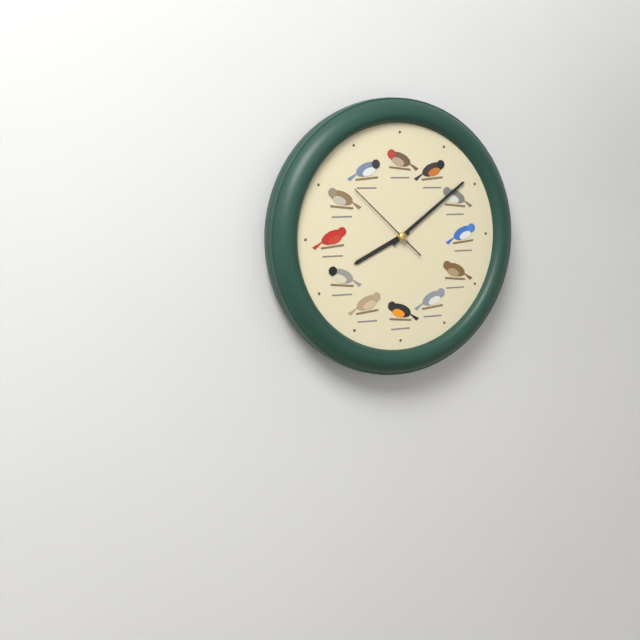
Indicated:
8 h 09 min 52 s
